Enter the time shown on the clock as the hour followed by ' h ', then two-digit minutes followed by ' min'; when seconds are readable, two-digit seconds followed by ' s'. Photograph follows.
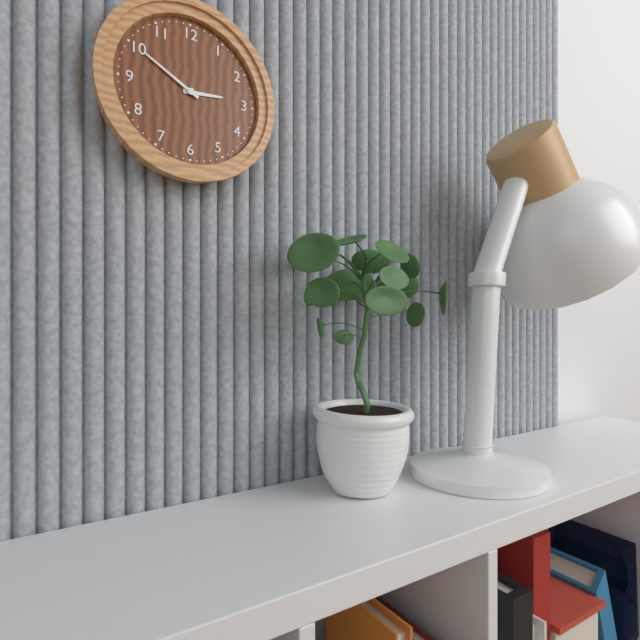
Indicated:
2 h 50 min
